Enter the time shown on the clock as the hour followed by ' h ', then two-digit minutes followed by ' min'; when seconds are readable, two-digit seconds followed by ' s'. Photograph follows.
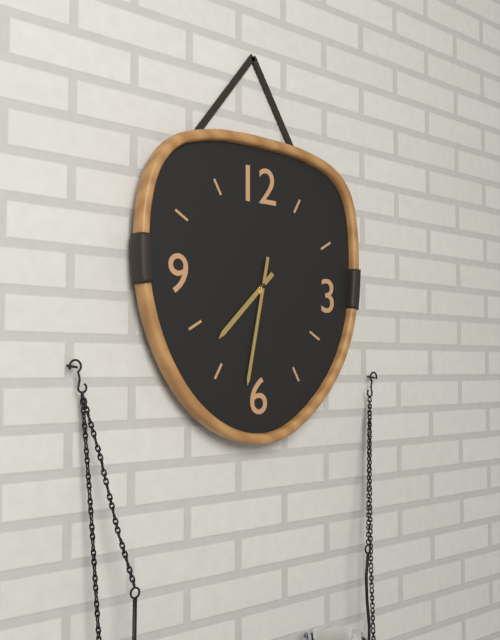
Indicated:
7 h 32 min
